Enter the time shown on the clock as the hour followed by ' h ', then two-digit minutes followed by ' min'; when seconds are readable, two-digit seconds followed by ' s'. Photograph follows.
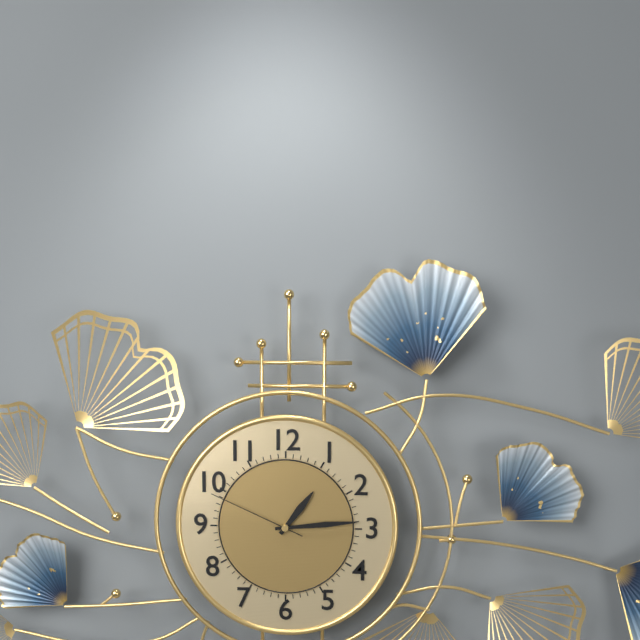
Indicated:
1 h 14 min 49 s
